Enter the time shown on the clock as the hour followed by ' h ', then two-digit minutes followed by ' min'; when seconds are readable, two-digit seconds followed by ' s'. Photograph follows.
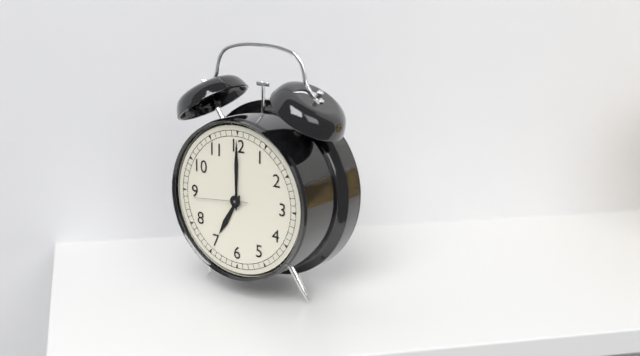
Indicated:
7 h 00 min 44 s
